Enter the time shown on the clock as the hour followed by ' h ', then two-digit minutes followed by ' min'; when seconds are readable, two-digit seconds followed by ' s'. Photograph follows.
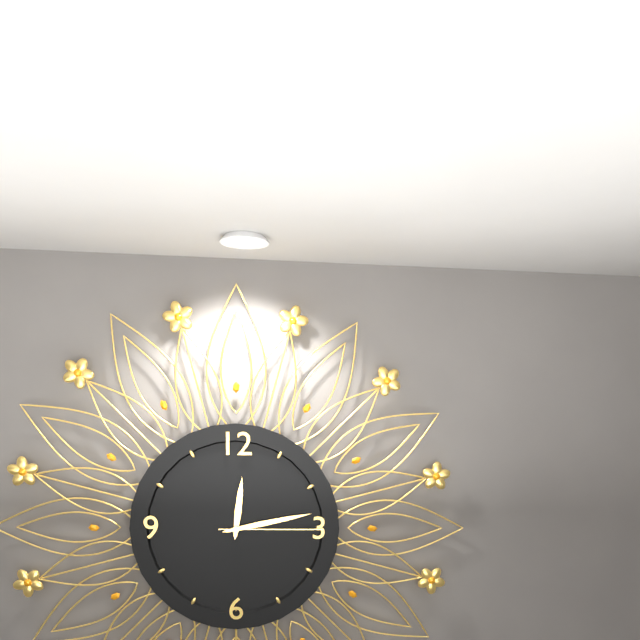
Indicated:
12 h 13 min 15 s
